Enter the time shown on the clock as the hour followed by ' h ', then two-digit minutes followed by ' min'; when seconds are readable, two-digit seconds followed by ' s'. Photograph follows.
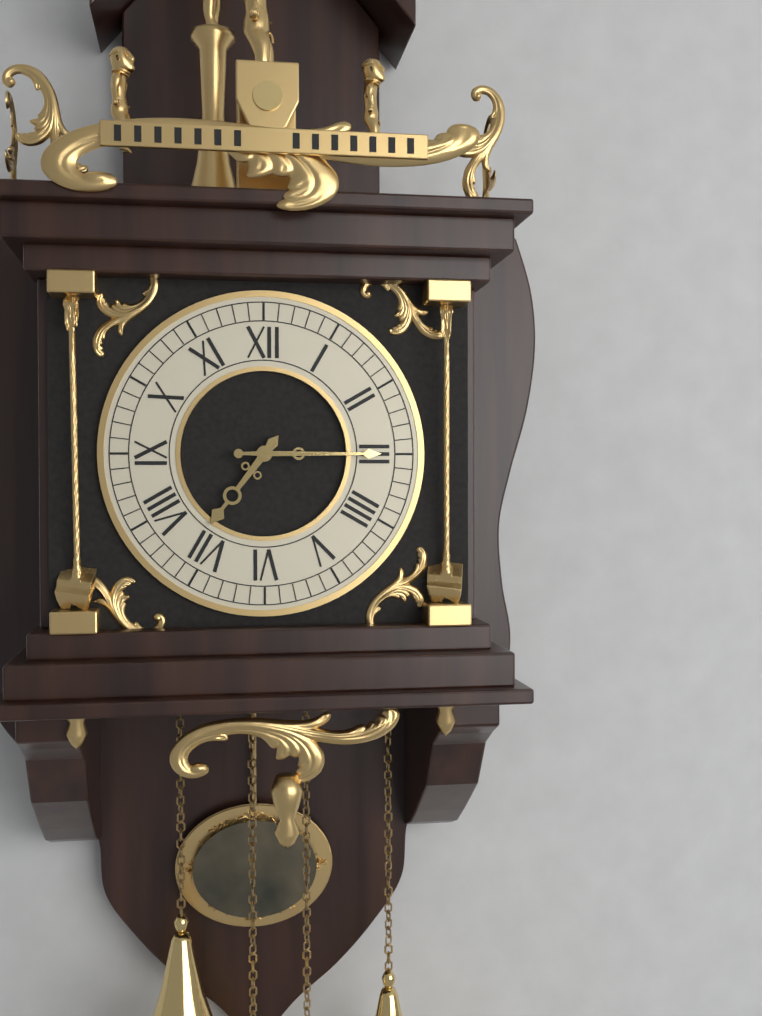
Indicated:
7 h 15 min
